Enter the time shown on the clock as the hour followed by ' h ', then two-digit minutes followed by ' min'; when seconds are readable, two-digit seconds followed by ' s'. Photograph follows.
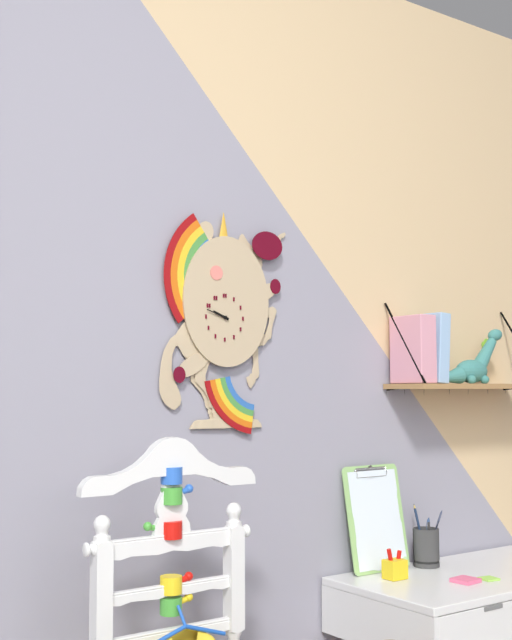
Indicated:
9 h 48 min
